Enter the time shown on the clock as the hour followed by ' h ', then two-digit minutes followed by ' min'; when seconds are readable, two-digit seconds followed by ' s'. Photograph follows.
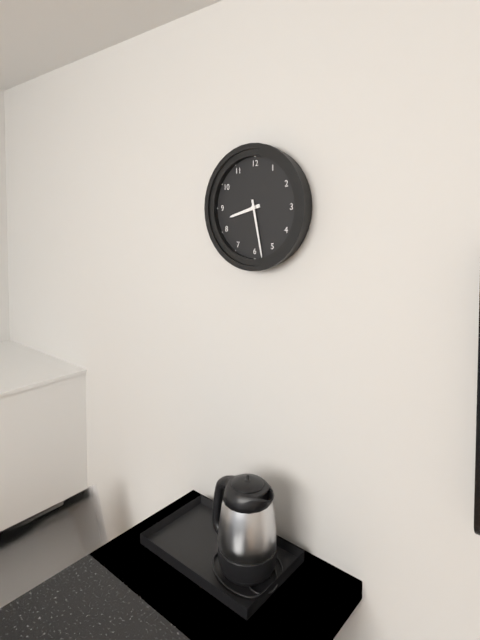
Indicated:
8 h 28 min
